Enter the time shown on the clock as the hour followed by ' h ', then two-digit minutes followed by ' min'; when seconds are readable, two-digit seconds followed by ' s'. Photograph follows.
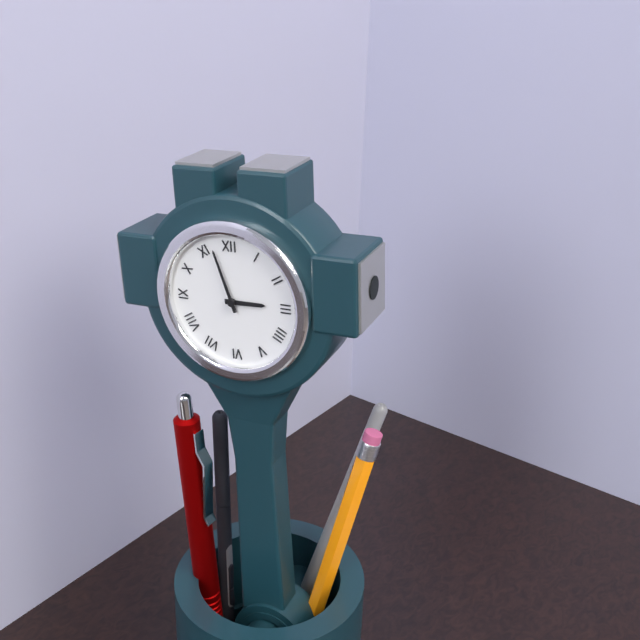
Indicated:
2 h 57 min
